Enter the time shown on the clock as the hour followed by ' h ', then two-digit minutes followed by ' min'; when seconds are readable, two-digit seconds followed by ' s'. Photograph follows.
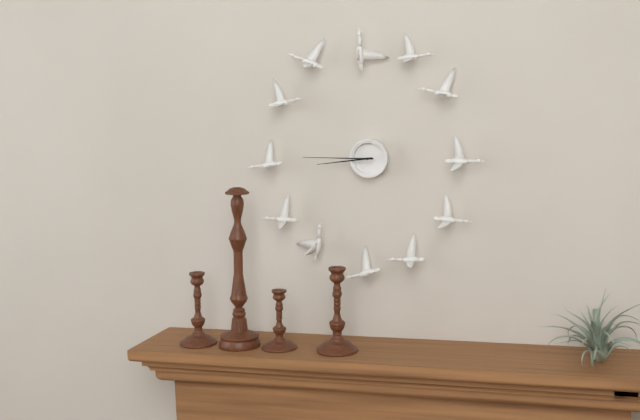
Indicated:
8 h 45 min
